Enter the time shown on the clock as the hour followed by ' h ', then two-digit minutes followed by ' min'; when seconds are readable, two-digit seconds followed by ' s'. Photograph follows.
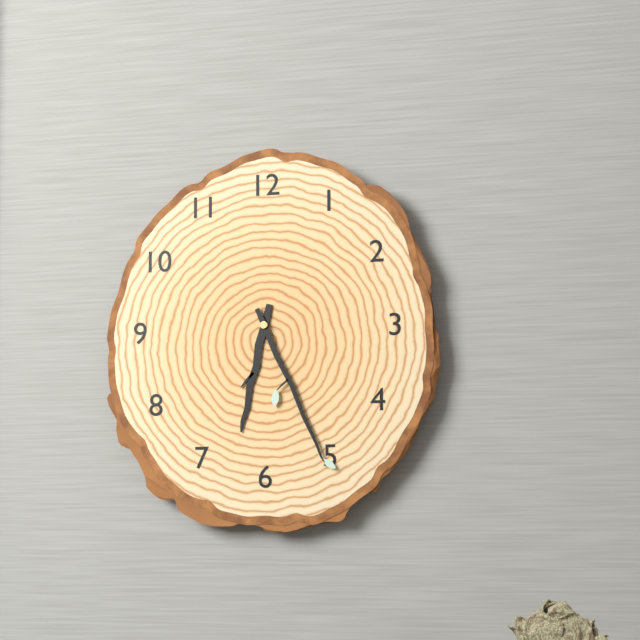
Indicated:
6 h 26 min
